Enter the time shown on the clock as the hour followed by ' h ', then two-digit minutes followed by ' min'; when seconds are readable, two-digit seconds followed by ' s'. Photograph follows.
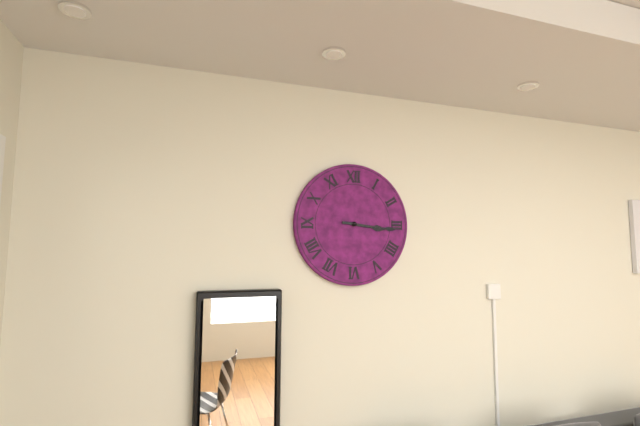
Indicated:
3 h 16 min
